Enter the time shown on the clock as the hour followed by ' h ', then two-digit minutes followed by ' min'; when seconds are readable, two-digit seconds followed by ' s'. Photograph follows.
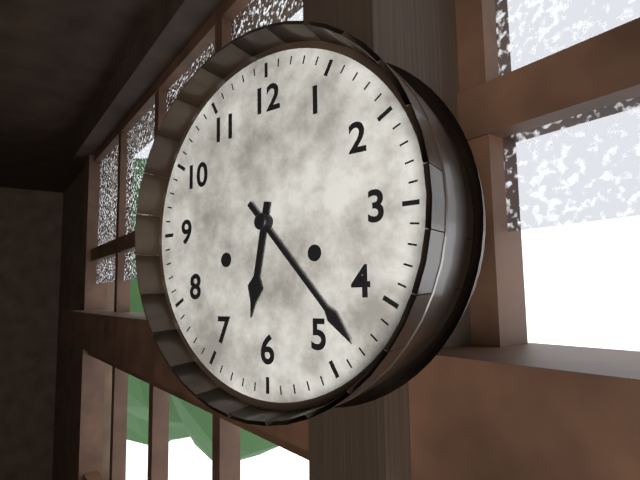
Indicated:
6 h 23 min
